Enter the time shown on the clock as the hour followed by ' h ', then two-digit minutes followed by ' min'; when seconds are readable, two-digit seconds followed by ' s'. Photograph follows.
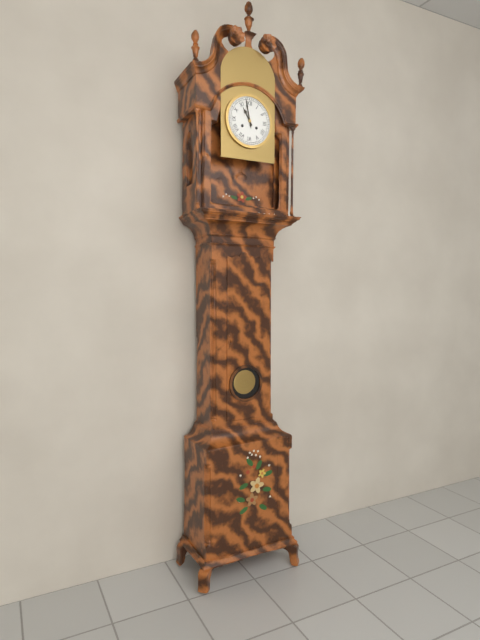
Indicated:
10 h 58 min
